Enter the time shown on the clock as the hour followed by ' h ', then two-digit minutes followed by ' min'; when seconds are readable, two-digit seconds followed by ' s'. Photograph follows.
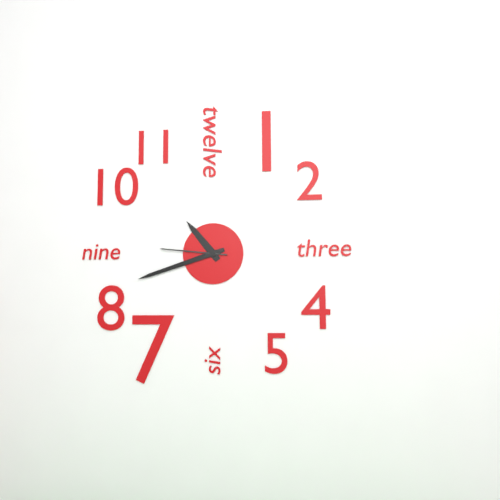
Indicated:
10 h 42 min 46 s
